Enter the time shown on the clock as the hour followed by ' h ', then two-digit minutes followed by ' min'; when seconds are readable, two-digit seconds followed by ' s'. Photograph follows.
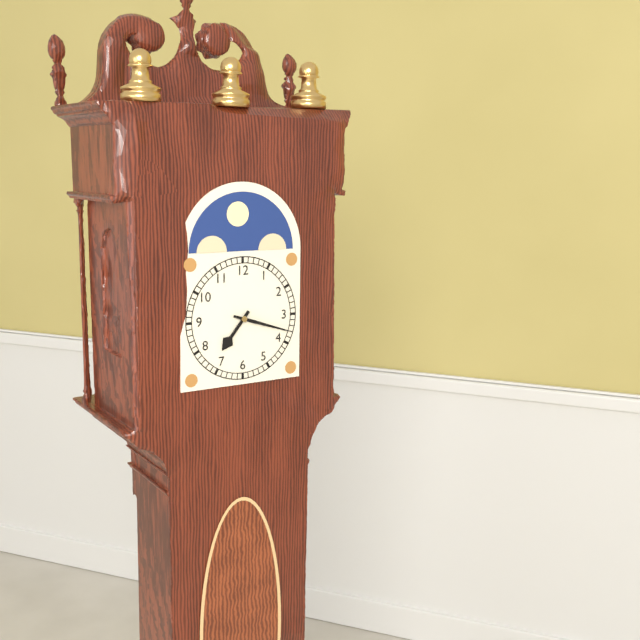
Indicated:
7 h 18 min
